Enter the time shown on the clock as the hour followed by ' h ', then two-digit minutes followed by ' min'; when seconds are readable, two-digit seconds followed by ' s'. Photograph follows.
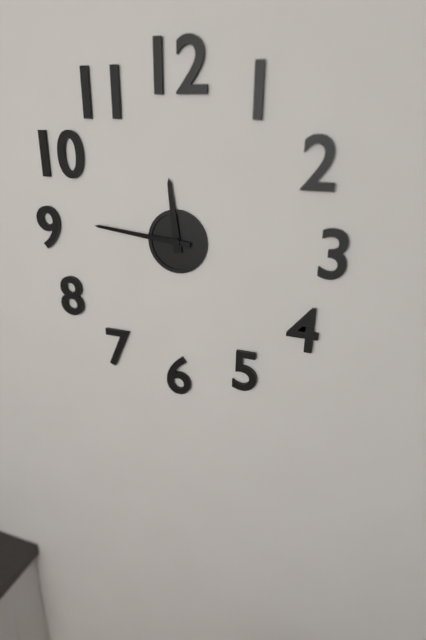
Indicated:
11 h 46 min
